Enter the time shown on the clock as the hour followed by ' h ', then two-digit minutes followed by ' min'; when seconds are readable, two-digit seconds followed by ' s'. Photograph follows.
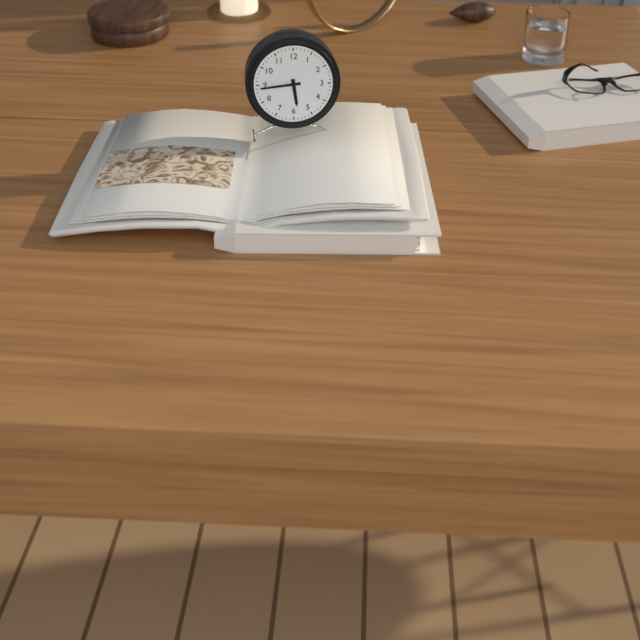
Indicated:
5 h 44 min
